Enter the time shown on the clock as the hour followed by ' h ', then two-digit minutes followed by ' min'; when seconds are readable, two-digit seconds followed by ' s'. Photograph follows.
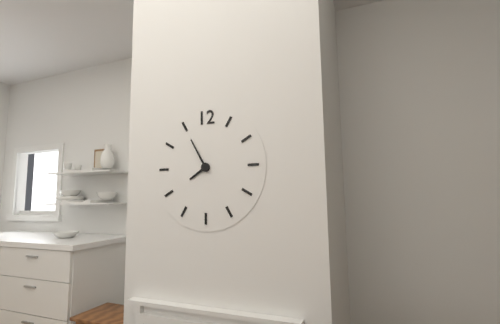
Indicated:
7 h 55 min
